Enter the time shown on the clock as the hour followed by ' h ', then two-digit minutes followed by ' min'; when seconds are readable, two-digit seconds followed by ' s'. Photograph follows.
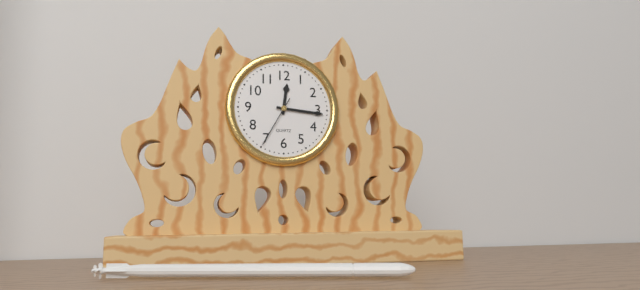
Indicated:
12 h 16 min
